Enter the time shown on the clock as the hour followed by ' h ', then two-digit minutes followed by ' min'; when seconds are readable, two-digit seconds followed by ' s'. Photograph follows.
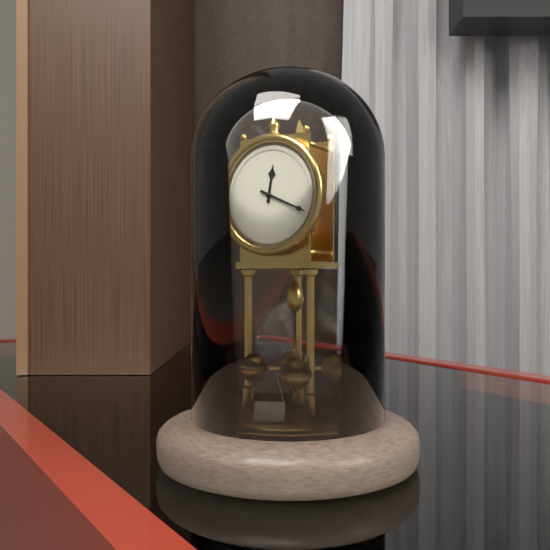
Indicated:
12 h 19 min
